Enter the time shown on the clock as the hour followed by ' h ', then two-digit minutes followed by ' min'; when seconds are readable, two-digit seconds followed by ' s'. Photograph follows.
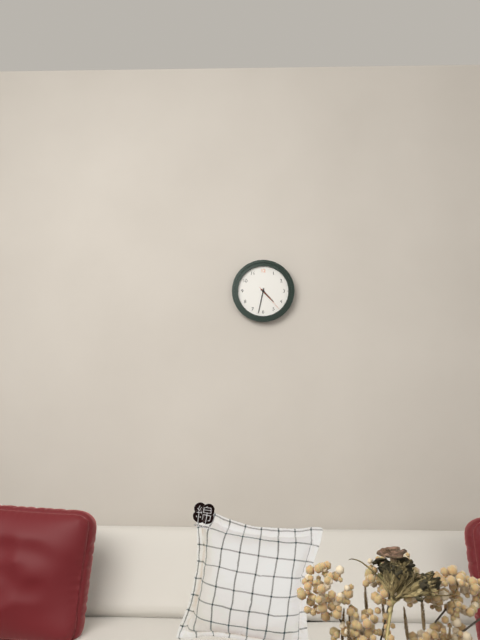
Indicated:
4 h 32 min
